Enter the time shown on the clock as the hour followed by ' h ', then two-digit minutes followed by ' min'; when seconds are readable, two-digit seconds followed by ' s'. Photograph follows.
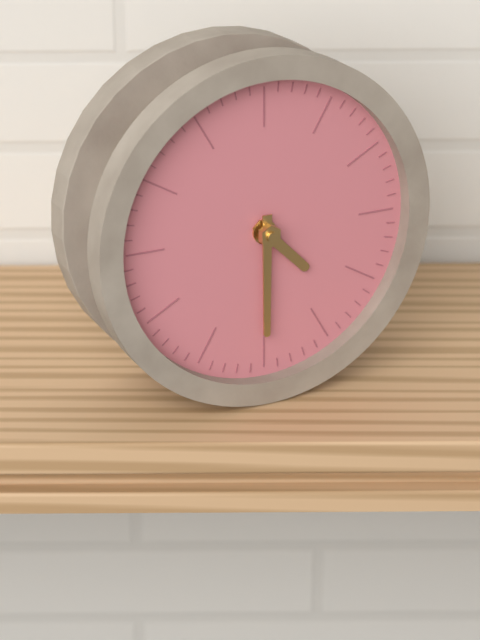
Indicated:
4 h 30 min
